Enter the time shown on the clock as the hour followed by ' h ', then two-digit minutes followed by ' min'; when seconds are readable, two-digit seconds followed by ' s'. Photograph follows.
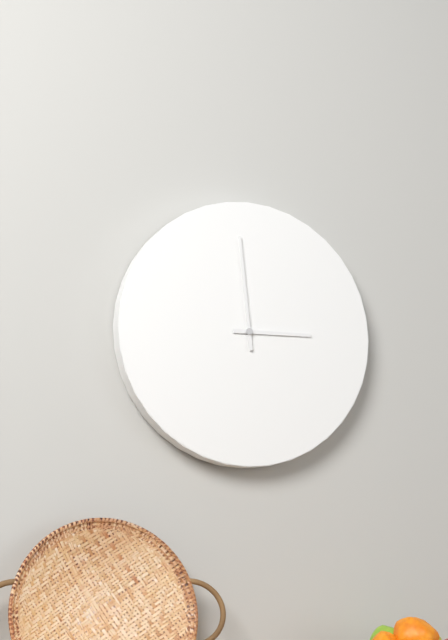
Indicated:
2 h 59 min
